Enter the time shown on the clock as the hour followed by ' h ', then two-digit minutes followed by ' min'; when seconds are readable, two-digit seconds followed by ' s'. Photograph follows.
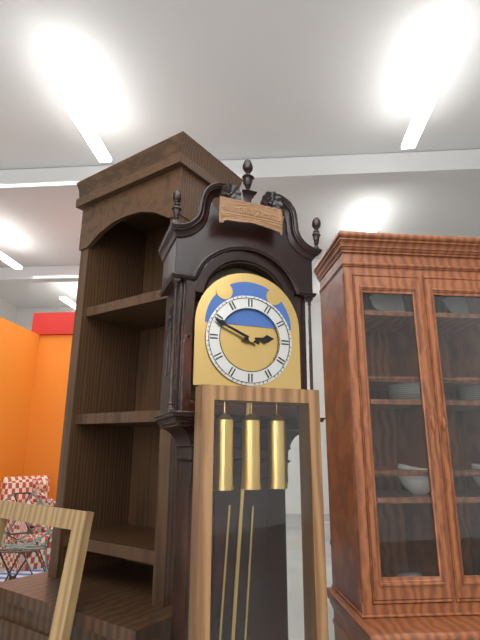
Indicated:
2 h 49 min
